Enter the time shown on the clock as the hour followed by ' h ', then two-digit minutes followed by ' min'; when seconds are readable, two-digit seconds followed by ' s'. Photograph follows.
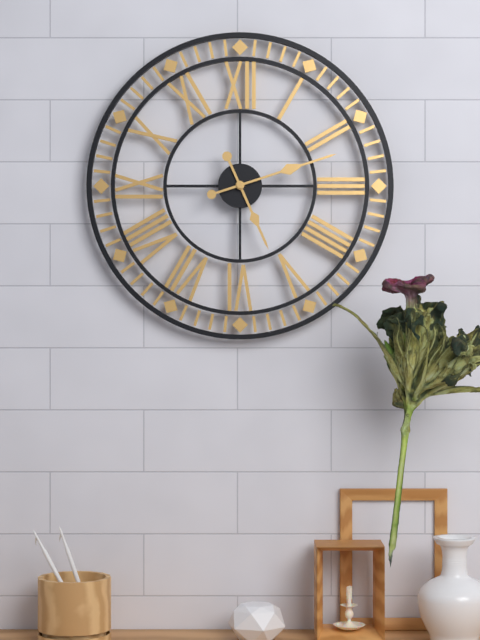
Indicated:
5 h 12 min
